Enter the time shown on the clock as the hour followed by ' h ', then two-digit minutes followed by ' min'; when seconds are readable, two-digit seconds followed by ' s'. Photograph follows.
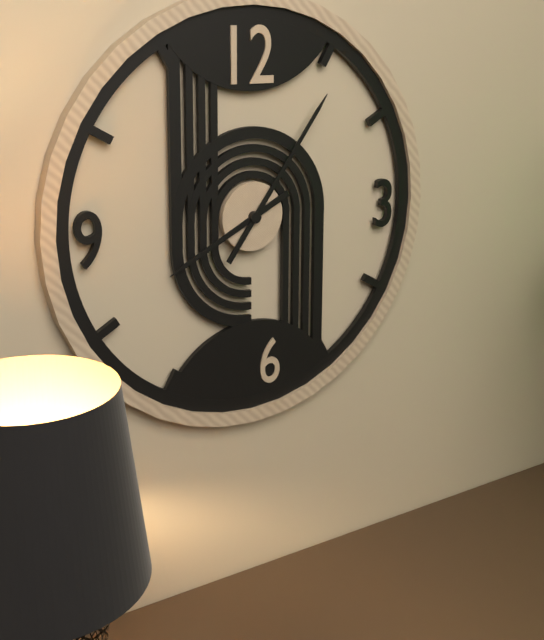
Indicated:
8 h 06 min
